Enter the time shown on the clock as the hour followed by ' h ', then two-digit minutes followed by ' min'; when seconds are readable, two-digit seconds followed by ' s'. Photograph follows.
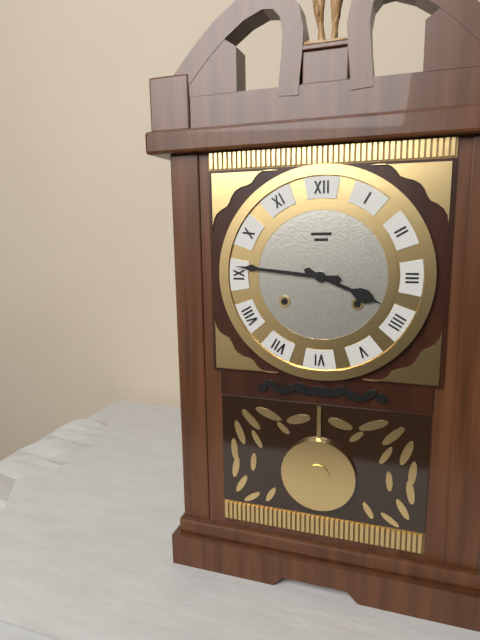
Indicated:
3 h 46 min
